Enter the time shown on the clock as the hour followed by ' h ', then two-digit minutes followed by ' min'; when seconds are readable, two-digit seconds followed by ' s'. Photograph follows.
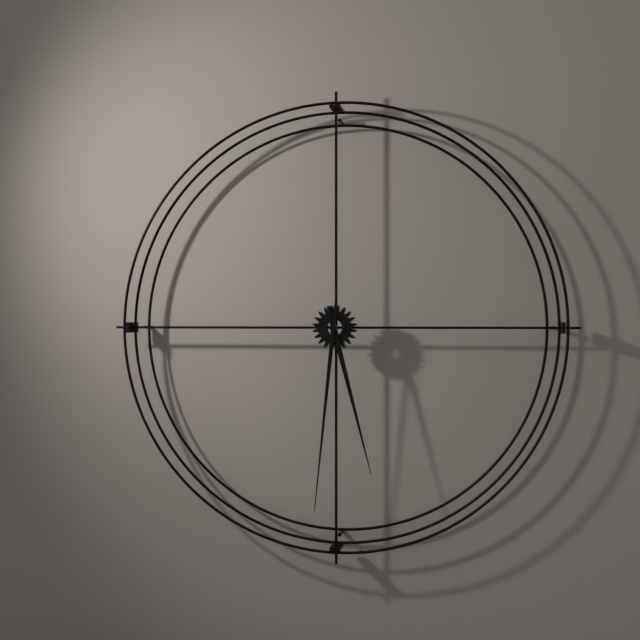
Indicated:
5 h 31 min
